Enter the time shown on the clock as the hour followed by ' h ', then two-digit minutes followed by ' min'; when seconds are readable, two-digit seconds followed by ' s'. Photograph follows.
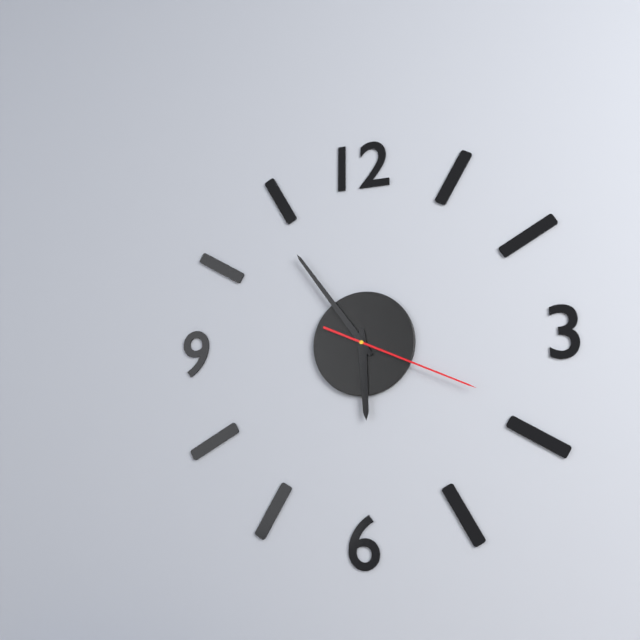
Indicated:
5 h 54 min 19 s
